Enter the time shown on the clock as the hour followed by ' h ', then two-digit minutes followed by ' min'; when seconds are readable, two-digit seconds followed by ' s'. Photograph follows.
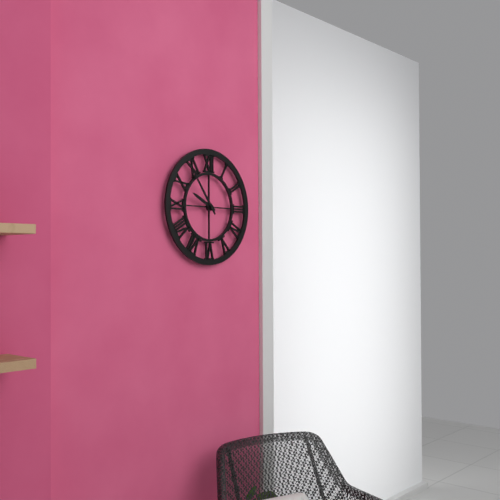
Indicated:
9 h 54 min
